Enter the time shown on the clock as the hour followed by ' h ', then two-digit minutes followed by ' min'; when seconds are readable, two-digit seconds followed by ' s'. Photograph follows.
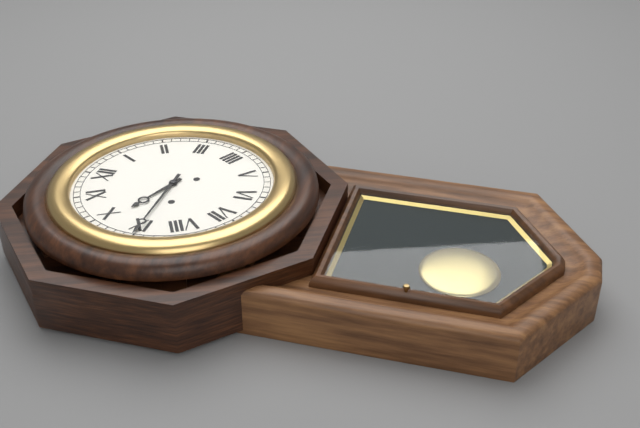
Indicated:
9 h 45 min
